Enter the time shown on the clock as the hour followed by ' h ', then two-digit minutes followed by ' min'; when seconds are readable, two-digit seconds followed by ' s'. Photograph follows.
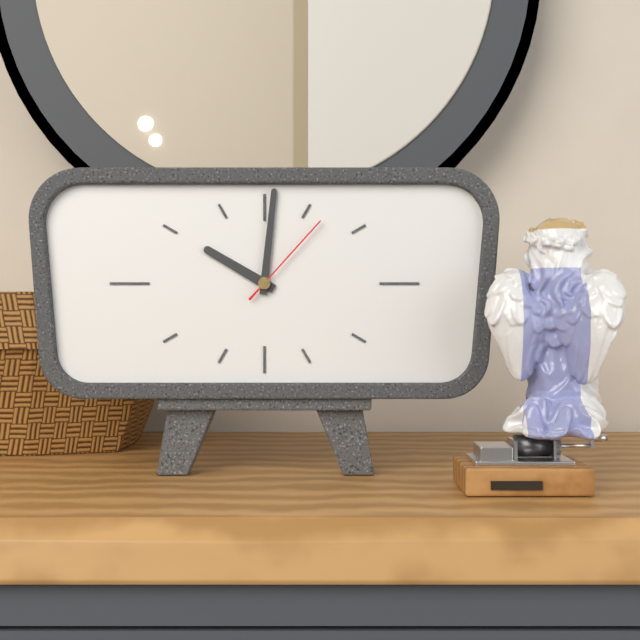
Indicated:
10 h 01 min 07 s
